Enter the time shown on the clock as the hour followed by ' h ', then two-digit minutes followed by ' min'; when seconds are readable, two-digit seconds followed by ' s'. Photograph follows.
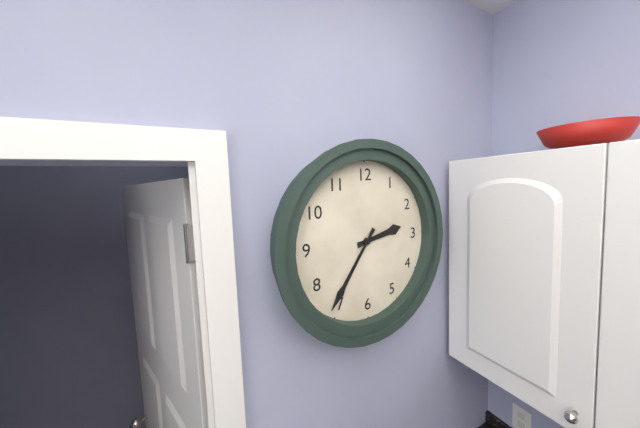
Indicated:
2 h 36 min
